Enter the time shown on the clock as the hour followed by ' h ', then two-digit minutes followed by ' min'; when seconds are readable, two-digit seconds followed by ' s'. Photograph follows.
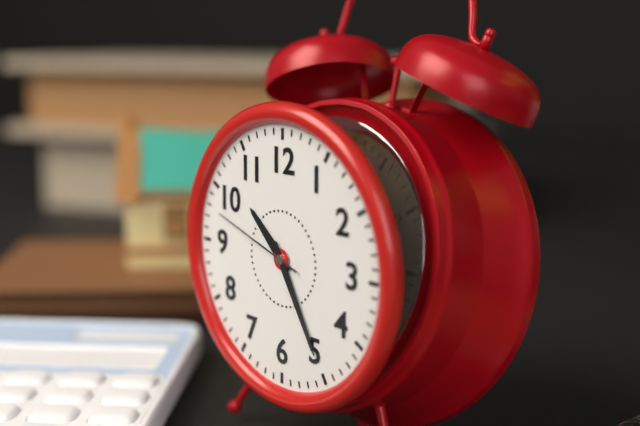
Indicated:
10 h 25 min 48 s
